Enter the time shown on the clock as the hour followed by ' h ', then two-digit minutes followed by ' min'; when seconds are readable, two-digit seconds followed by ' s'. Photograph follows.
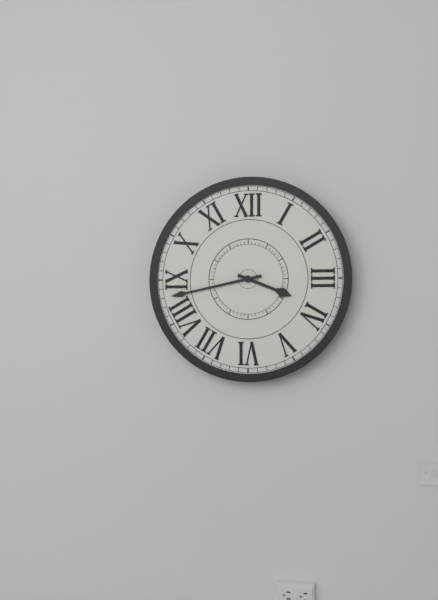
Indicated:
3 h 43 min
